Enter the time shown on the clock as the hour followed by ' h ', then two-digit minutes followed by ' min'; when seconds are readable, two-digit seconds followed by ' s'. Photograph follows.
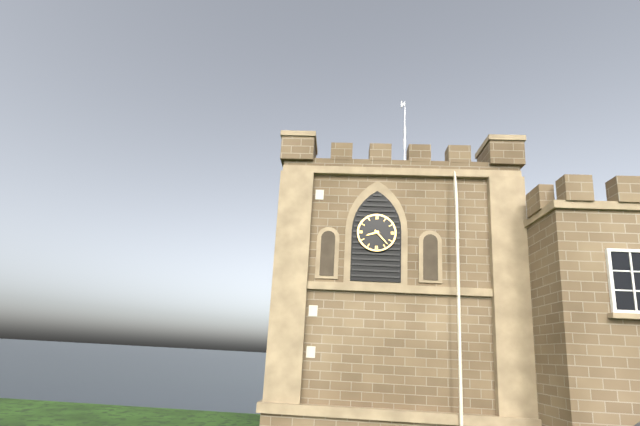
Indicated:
8 h 23 min
